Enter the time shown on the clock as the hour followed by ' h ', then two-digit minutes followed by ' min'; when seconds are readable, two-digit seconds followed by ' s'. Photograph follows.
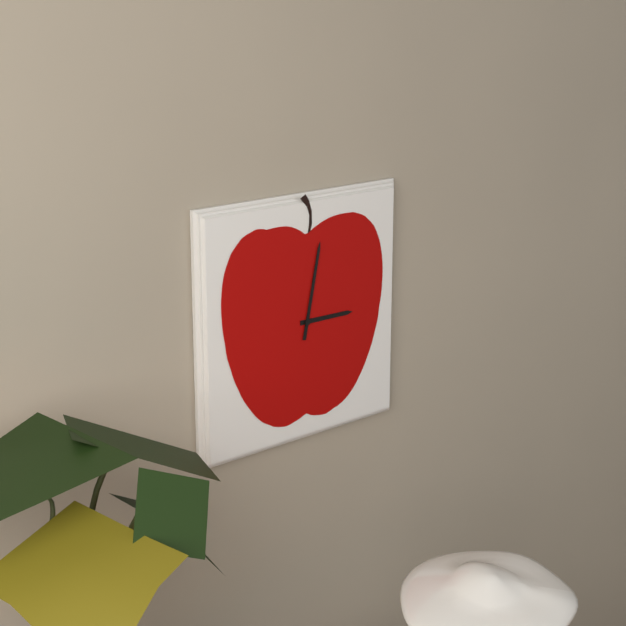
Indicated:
3 h 02 min
